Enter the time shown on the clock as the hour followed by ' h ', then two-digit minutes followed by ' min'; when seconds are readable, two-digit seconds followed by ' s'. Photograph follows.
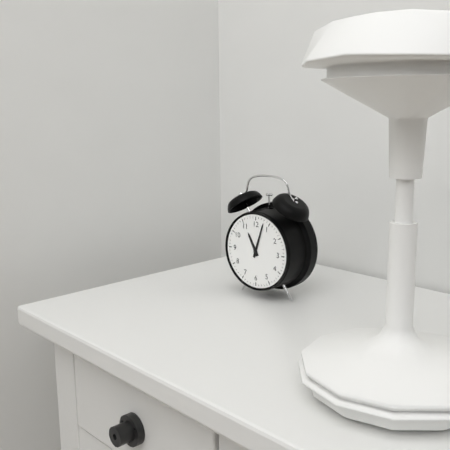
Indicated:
11 h 03 min
